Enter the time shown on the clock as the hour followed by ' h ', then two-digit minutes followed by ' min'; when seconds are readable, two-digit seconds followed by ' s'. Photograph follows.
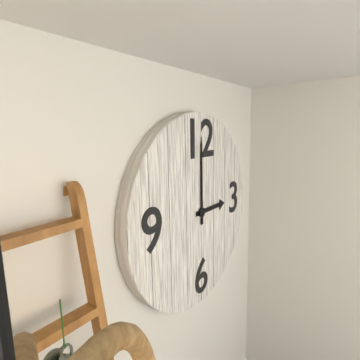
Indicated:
3 h 00 min
